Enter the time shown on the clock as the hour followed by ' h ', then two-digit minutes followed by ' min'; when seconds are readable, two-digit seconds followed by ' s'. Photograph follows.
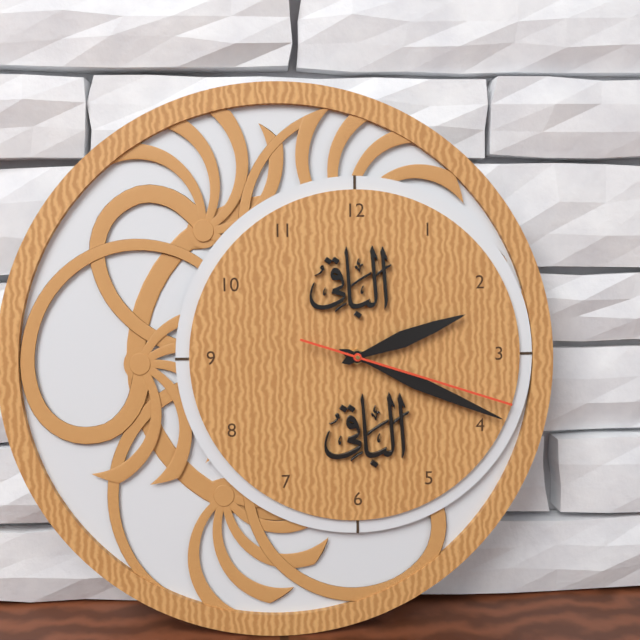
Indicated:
2 h 19 min 18 s
